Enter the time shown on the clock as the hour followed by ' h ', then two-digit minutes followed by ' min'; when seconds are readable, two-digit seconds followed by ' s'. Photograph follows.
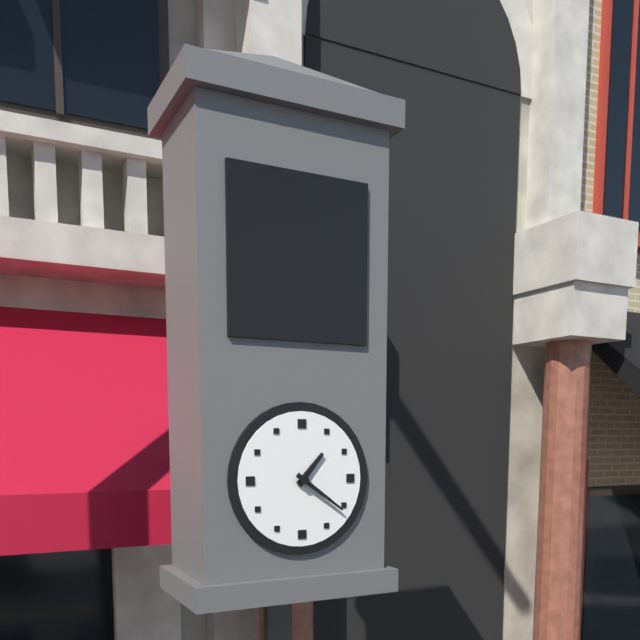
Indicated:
1 h 21 min
